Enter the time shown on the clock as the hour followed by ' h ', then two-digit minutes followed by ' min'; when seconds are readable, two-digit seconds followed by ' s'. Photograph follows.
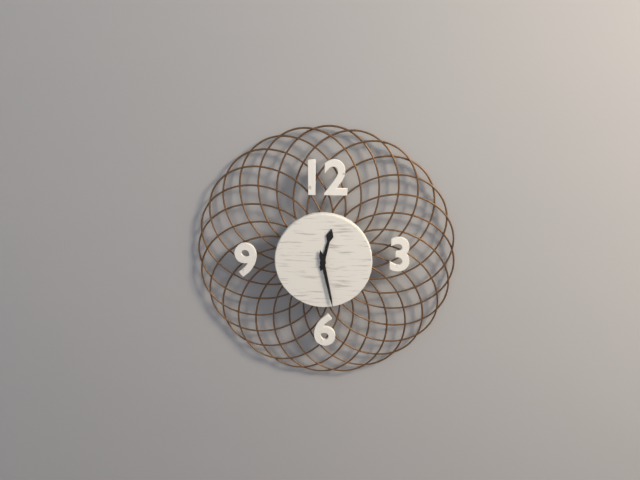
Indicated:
12 h 28 min
